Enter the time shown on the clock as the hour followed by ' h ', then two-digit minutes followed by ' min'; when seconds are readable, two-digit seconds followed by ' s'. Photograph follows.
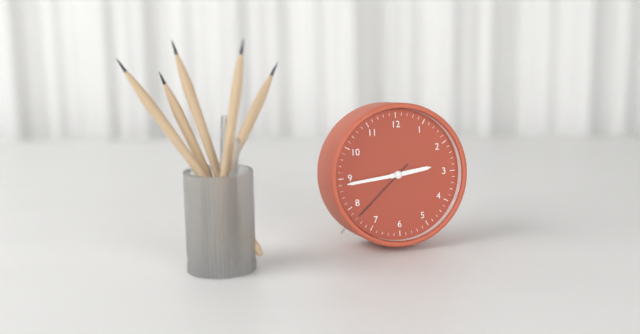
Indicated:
2 h 44 min 38 s
